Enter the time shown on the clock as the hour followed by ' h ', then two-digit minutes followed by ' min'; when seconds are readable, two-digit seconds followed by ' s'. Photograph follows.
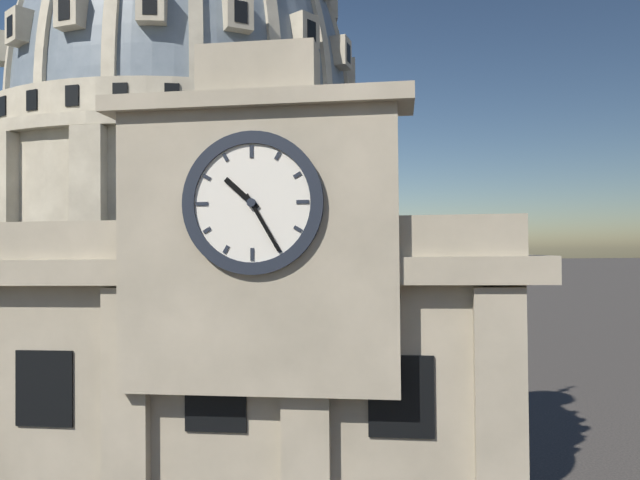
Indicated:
10 h 25 min
